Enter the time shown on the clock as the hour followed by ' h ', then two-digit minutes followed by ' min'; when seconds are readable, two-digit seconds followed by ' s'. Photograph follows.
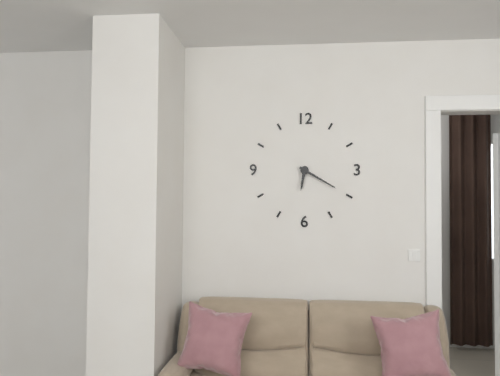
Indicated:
6 h 20 min
